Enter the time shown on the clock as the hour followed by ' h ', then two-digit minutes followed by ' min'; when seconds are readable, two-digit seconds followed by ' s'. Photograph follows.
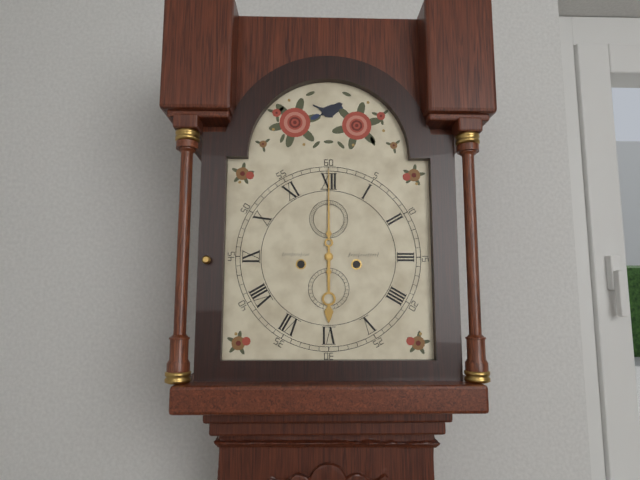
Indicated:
6 h 00 min
